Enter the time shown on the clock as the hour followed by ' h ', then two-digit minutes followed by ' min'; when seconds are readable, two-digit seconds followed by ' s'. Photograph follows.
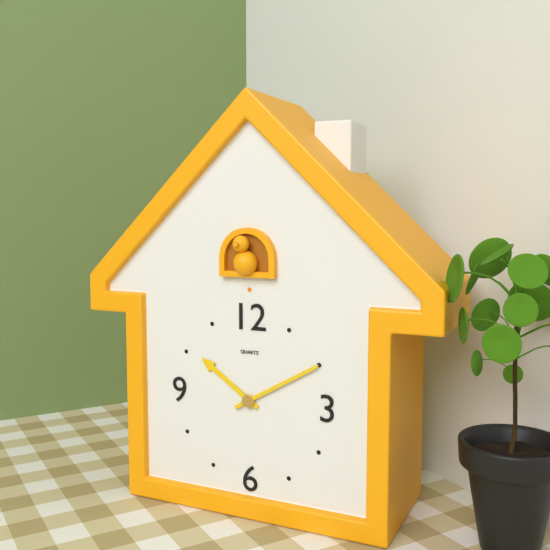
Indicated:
10 h 10 min
